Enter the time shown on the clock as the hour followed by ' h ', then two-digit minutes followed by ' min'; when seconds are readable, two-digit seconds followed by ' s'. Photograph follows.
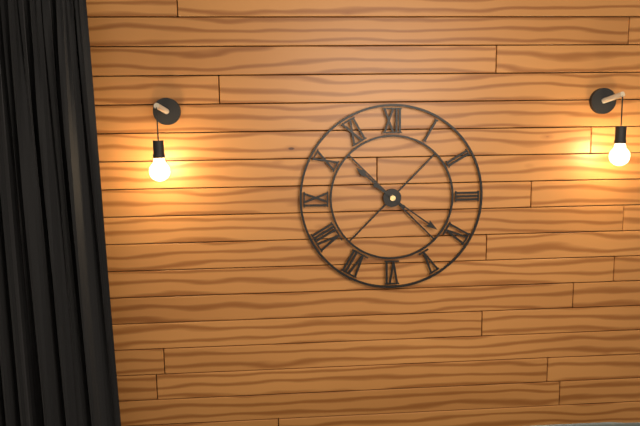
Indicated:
10 h 21 min
